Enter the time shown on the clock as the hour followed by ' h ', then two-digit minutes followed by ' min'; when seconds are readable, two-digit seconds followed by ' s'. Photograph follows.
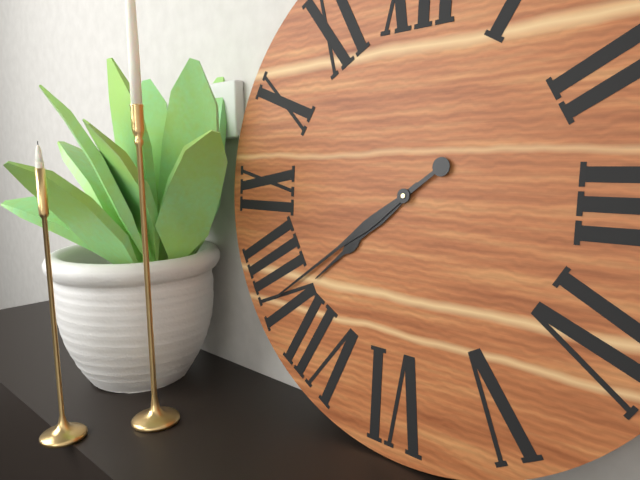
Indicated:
7 h 39 min
